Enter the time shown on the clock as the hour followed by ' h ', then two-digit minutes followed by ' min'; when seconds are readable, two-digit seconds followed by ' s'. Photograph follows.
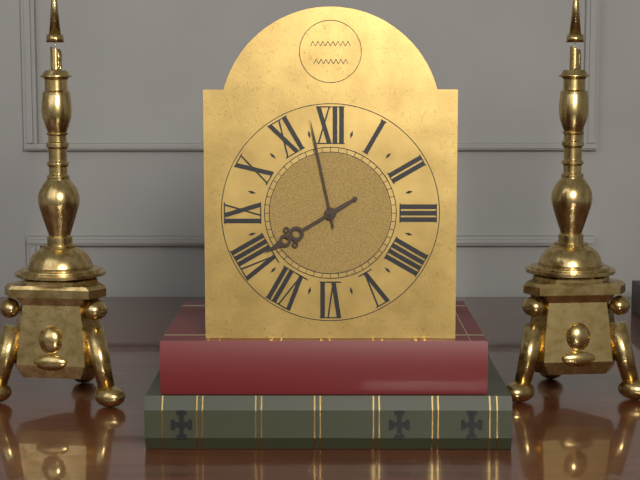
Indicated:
7 h 58 min
